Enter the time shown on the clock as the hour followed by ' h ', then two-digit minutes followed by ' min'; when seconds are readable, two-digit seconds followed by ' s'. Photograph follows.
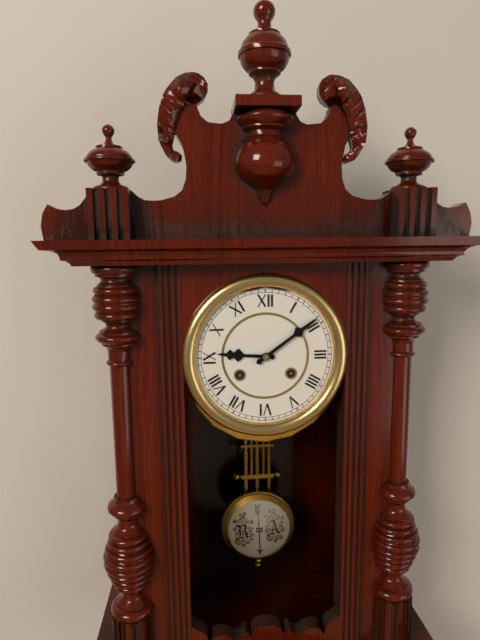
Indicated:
9 h 09 min
